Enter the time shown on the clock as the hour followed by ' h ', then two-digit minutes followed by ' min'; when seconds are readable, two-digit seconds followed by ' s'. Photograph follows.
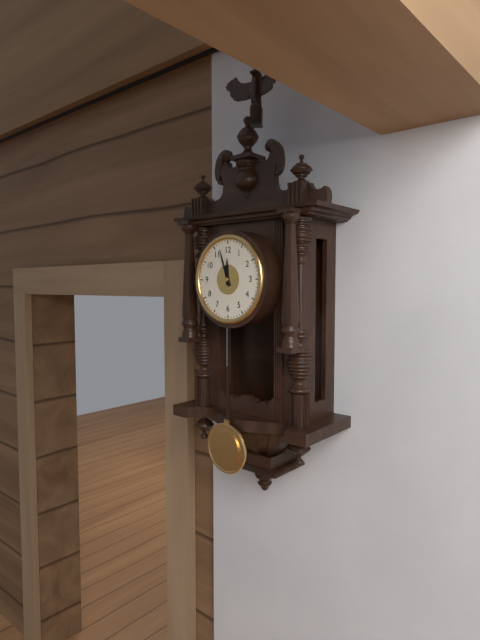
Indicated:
11 h 57 min
